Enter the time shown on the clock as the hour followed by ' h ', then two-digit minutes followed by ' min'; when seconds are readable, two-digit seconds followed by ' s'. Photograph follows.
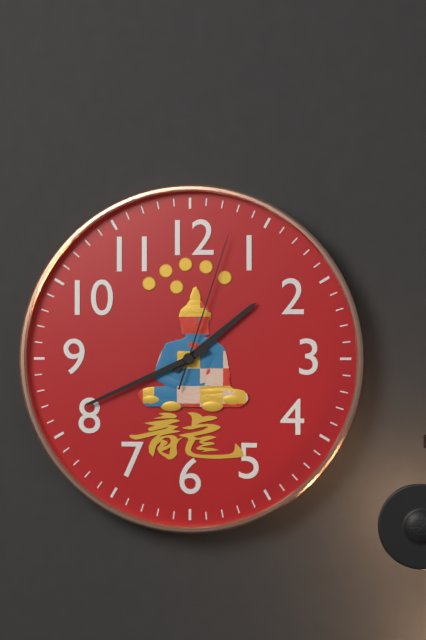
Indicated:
1 h 41 min 03 s
